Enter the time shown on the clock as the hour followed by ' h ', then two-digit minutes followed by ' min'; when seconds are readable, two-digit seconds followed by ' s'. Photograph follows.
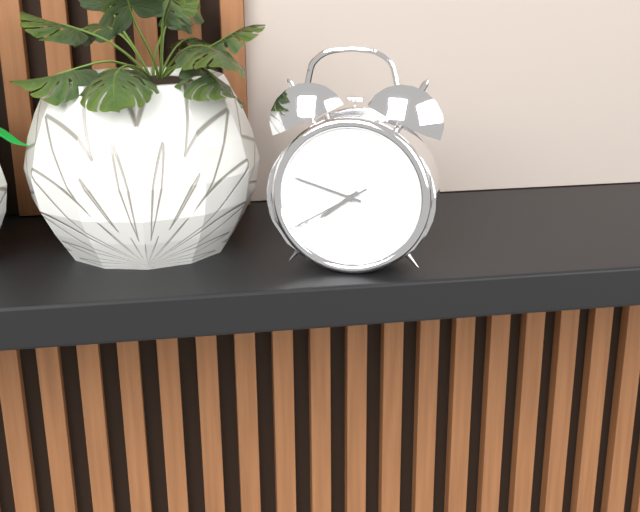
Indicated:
7 h 48 min 40 s
